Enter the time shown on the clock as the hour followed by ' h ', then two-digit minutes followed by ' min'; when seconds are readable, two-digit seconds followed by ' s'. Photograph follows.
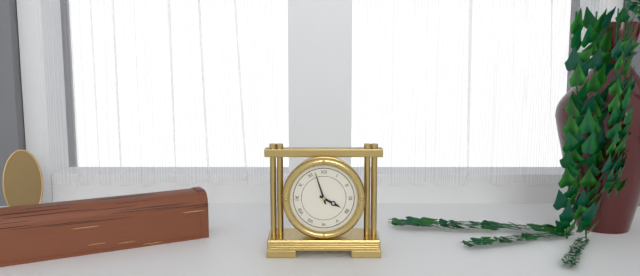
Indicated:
3 h 57 min
